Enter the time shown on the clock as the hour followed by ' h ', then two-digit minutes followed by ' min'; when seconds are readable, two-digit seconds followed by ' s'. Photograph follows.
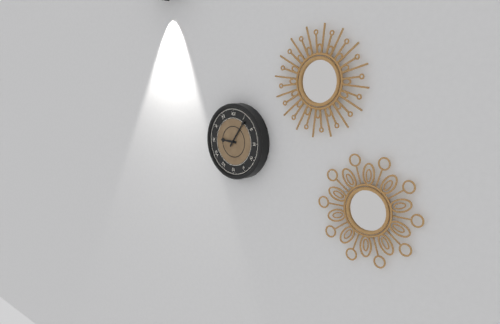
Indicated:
9 h 06 min
